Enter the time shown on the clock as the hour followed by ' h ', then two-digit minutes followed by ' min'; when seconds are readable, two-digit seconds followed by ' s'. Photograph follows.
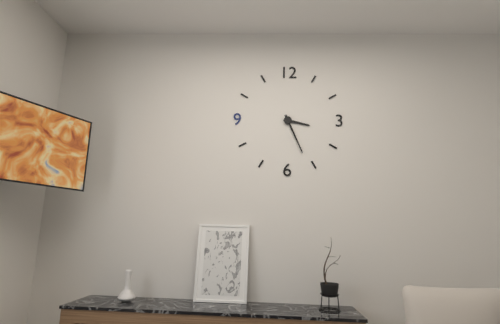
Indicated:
3 h 26 min
